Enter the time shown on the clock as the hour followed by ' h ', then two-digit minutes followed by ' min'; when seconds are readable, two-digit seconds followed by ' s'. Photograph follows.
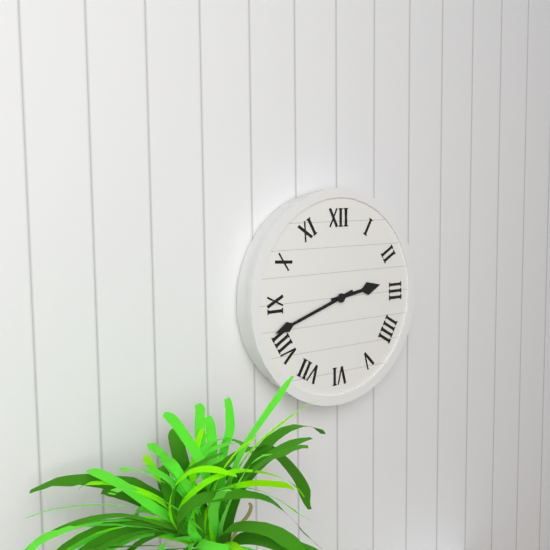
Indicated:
2 h 42 min
